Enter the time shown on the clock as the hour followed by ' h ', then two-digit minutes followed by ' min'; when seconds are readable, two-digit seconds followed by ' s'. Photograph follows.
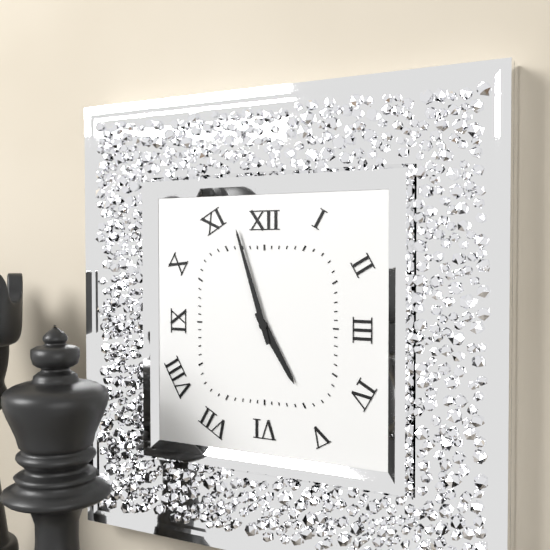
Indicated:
4 h 57 min
